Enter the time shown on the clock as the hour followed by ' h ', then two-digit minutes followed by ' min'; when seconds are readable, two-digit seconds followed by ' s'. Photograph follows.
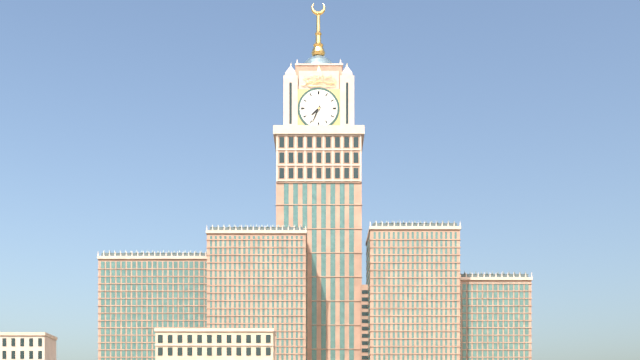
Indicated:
7 h 34 min
